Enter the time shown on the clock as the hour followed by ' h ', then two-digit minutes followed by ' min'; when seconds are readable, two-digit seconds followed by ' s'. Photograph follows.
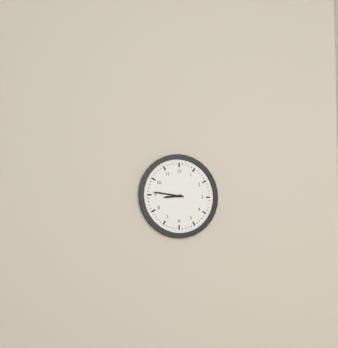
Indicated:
8 h 46 min
